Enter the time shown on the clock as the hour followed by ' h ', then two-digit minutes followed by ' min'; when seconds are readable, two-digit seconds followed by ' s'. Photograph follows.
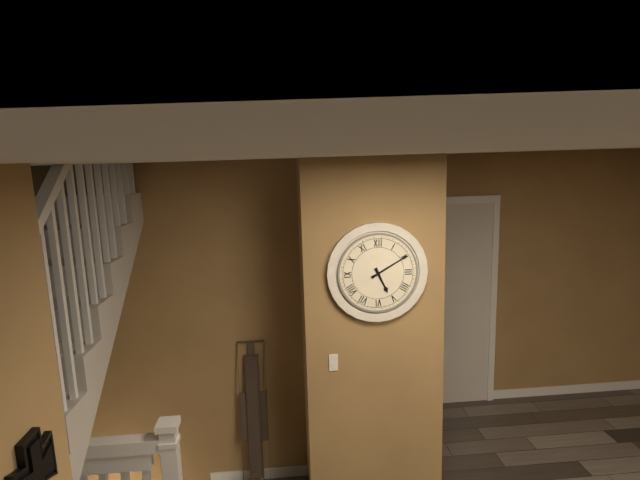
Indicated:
5 h 10 min
